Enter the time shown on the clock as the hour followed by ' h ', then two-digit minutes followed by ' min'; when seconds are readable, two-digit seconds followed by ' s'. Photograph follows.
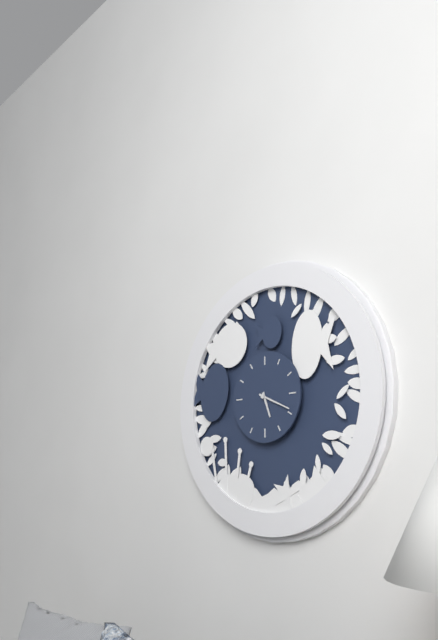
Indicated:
5 h 19 min
